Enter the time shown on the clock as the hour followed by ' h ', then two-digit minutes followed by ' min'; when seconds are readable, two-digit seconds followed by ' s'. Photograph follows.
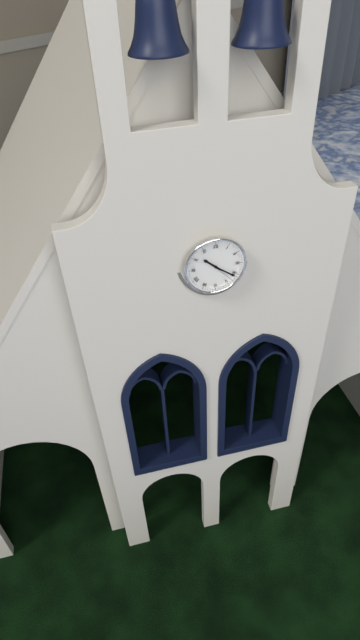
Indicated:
10 h 21 min
